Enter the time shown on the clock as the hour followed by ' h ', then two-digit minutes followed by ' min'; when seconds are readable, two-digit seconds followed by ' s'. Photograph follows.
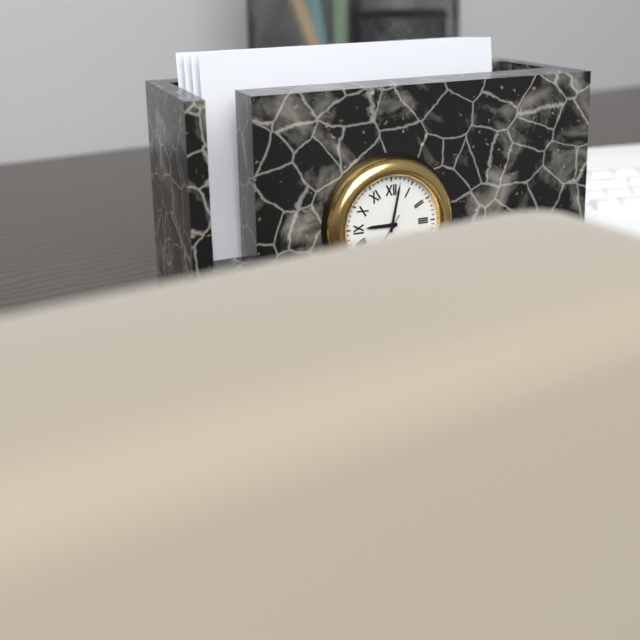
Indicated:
9 h 02 min
